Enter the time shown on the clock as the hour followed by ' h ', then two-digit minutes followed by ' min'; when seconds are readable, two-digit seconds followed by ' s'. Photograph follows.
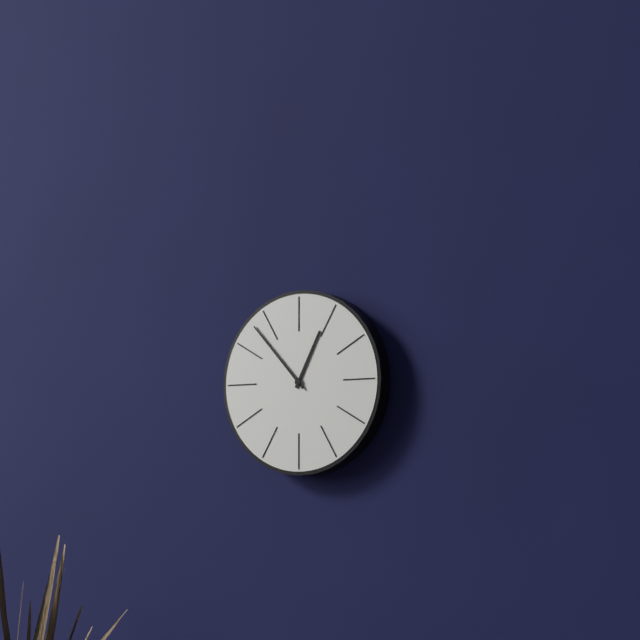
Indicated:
12 h 53 min
